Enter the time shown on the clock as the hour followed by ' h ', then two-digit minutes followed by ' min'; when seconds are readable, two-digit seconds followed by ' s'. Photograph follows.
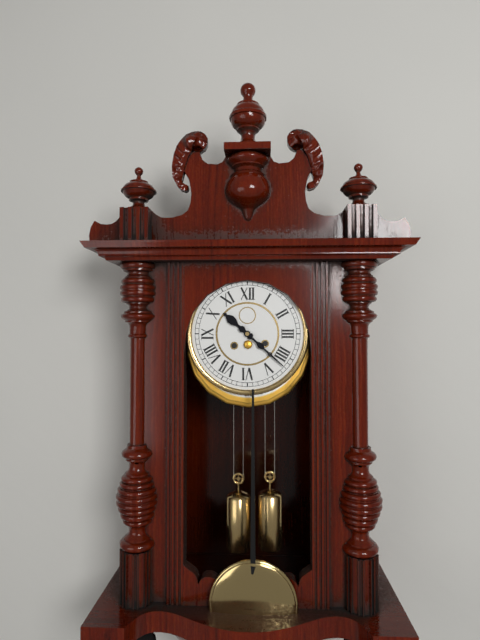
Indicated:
10 h 22 min
